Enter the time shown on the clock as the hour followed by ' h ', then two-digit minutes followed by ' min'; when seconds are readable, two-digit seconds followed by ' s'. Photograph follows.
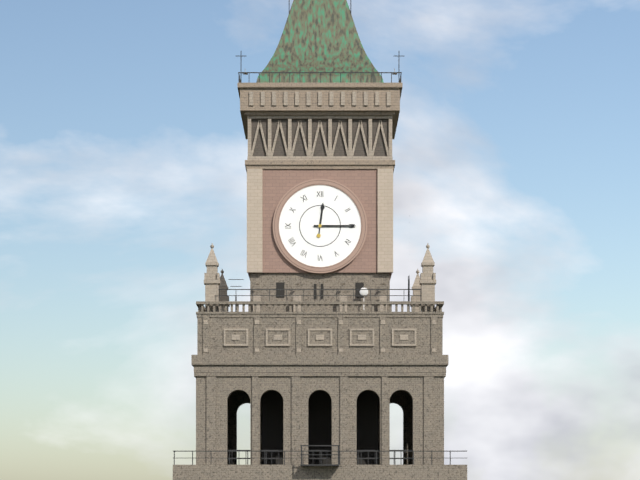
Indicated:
12 h 15 min
